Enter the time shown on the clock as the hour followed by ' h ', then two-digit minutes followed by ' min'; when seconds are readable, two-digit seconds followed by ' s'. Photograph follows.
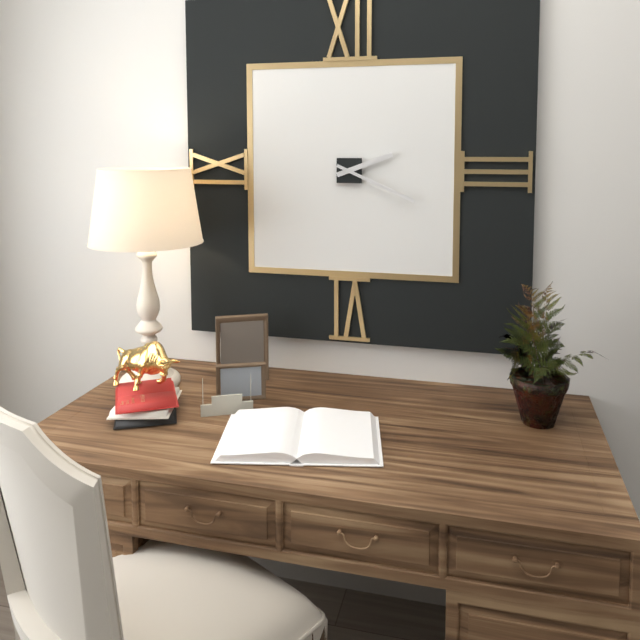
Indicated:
2 h 19 min
